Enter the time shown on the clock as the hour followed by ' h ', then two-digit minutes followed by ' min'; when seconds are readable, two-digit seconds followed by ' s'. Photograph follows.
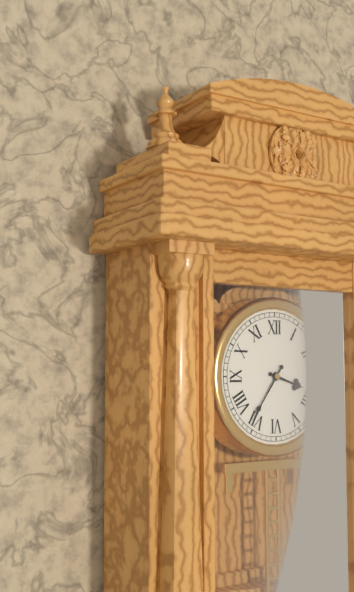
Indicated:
3 h 36 min
